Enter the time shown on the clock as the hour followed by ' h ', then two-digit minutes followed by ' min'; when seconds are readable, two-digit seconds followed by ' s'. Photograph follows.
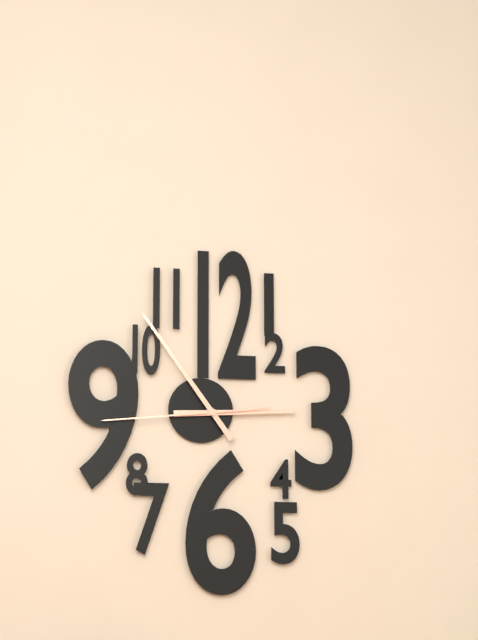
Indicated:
2 h 54 min 44 s
